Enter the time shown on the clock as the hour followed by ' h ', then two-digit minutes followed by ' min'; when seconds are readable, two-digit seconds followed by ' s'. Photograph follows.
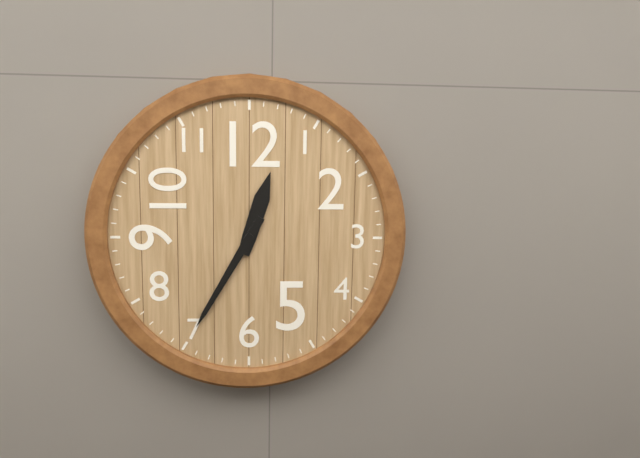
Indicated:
12 h 35 min
